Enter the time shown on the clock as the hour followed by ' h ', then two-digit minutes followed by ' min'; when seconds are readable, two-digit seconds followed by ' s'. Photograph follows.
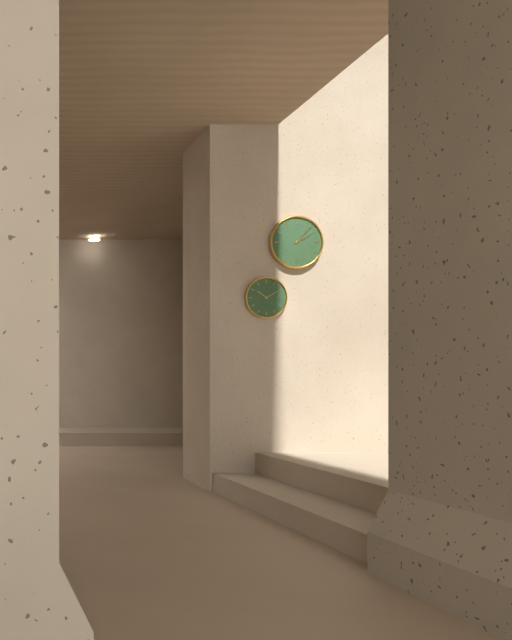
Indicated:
2 h 07 min
